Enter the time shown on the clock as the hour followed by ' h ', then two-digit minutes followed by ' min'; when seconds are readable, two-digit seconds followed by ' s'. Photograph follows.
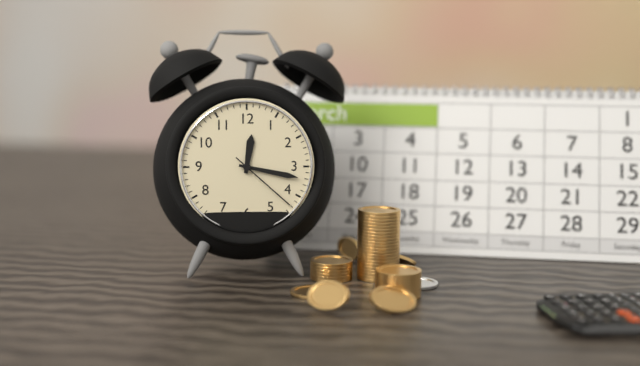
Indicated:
12 h 17 min 22 s
